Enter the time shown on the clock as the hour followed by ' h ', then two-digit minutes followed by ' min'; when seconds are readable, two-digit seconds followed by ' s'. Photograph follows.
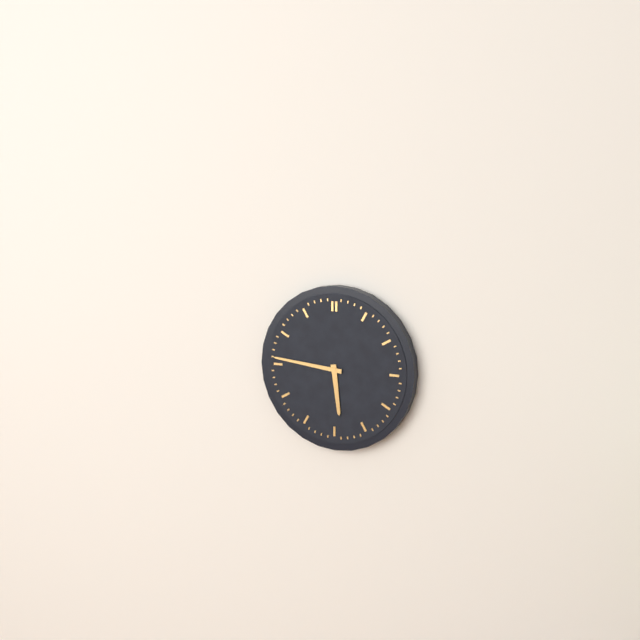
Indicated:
5 h 46 min
